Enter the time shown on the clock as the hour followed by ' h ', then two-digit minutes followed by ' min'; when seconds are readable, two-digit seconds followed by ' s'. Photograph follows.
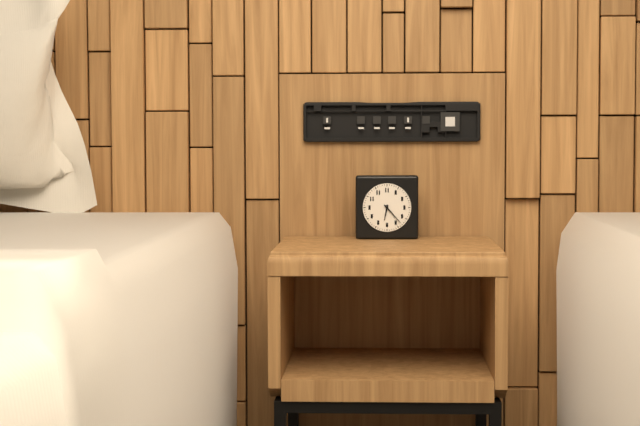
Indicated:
6 h 23 min
